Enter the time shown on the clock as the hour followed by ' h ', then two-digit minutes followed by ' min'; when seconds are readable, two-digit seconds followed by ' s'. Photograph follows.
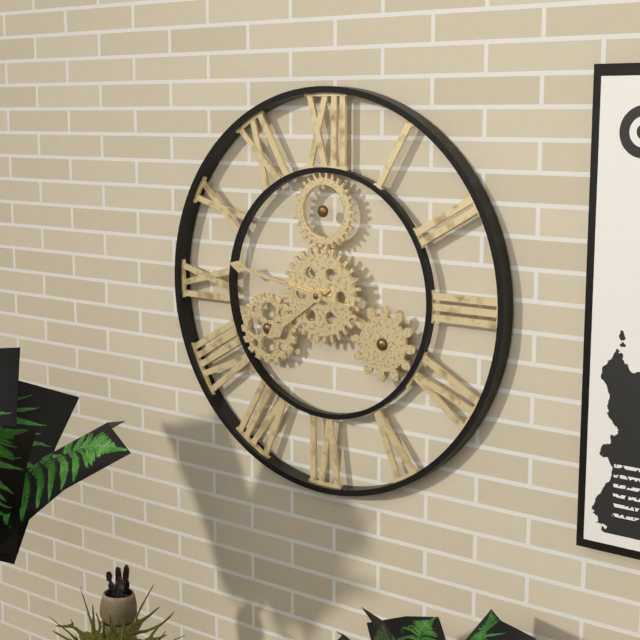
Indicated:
7 h 47 min
